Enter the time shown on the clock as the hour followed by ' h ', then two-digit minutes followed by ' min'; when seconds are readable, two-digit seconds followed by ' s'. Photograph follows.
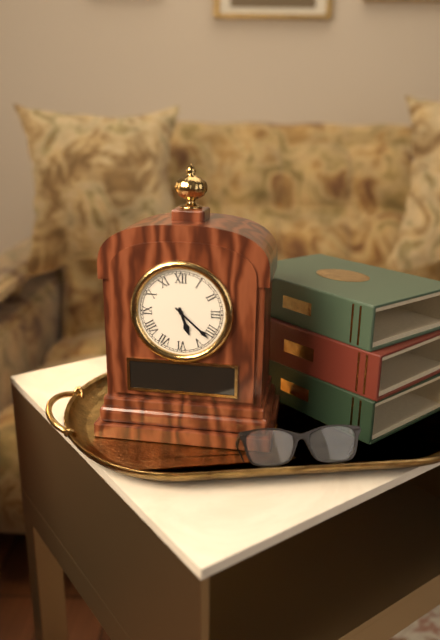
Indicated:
5 h 22 min
